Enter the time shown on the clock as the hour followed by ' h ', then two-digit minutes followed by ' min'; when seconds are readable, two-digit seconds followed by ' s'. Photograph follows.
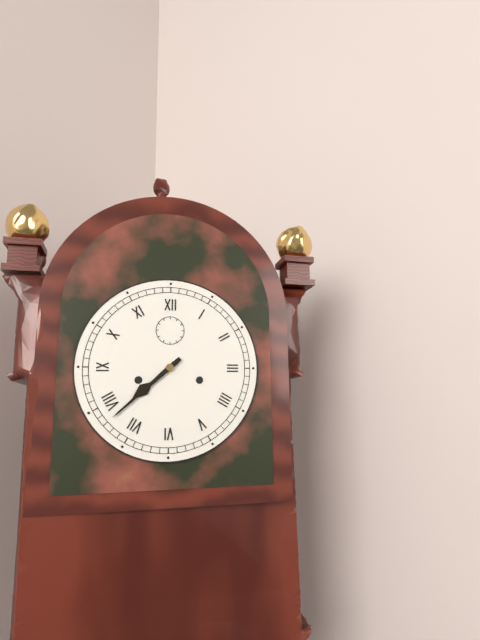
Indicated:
7 h 38 min
